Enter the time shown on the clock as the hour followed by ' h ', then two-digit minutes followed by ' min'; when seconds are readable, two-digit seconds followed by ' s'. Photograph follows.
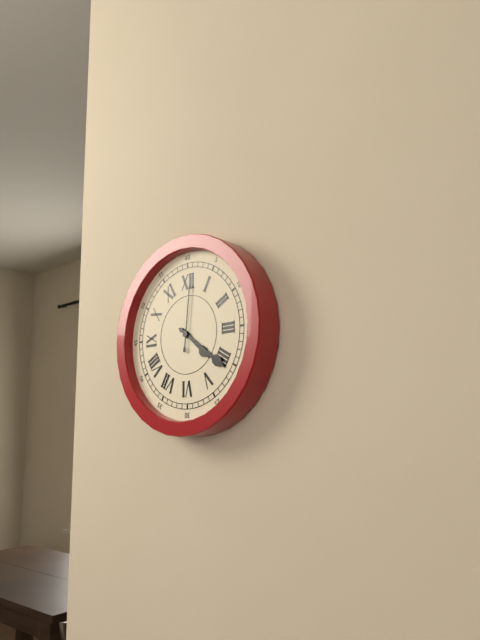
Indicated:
4 h 21 min 01 s
